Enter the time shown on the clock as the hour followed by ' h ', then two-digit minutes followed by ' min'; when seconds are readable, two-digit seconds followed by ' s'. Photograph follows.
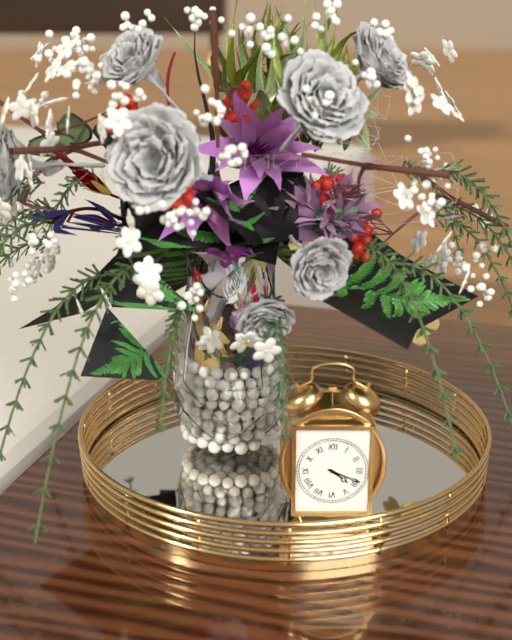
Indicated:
4 h 19 min
